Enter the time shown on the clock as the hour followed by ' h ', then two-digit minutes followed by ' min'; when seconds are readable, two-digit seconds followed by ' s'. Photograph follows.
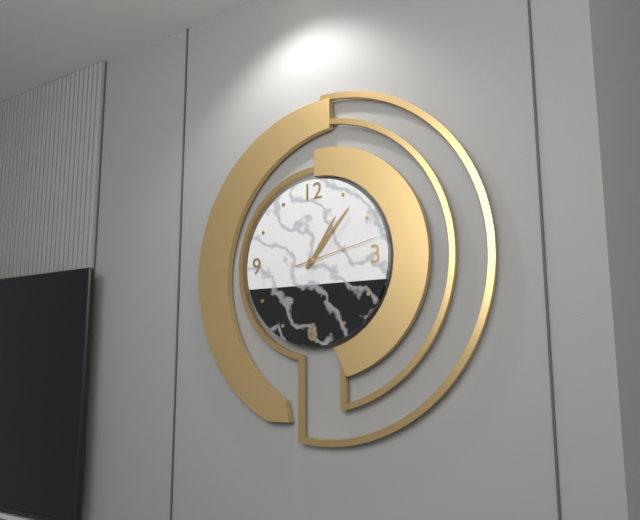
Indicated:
1 h 07 min 13 s
